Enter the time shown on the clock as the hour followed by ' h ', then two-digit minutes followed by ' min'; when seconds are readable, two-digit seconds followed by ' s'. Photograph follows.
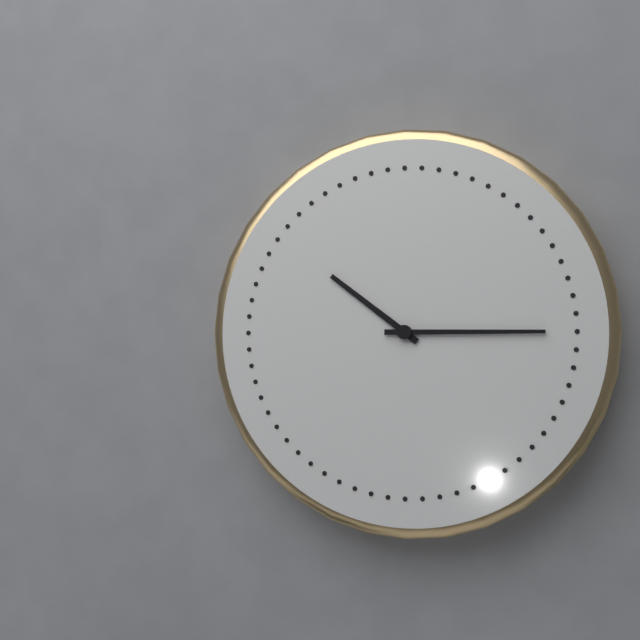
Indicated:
10 h 15 min
